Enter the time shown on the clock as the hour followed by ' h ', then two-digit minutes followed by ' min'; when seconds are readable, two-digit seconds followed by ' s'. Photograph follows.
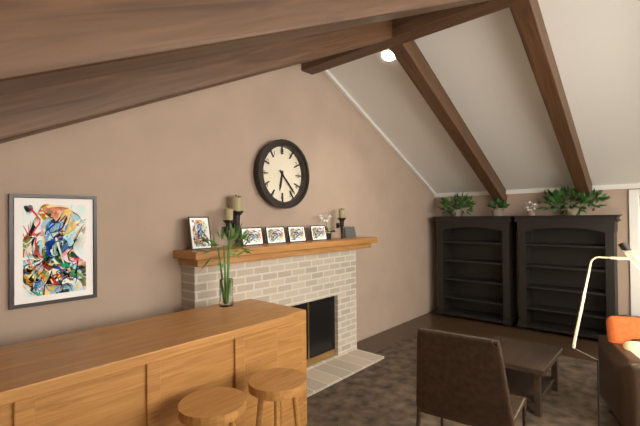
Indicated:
6 h 23 min
